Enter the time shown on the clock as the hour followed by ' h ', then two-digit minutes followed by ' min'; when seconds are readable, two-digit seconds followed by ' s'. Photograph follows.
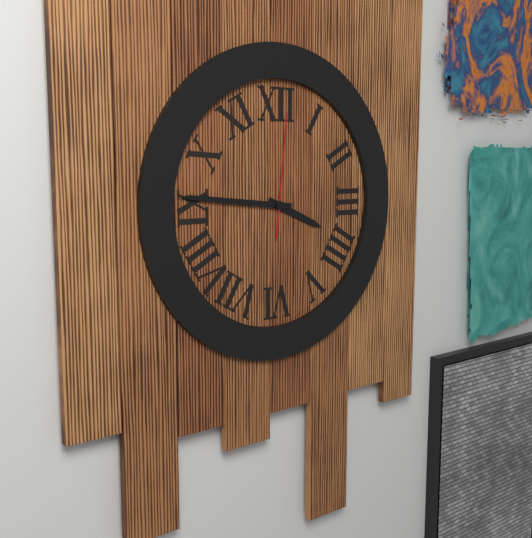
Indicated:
3 h 46 min 01 s
